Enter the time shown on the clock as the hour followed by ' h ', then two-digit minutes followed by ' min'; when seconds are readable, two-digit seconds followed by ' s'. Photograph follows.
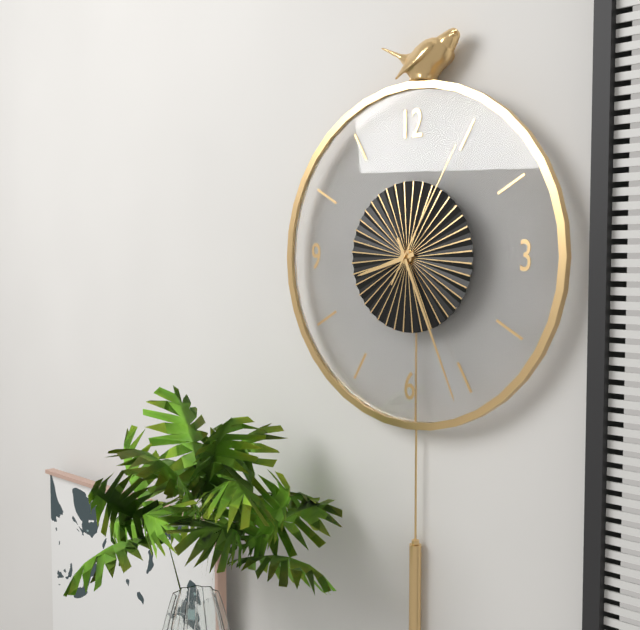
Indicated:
8 h 26 min 05 s
